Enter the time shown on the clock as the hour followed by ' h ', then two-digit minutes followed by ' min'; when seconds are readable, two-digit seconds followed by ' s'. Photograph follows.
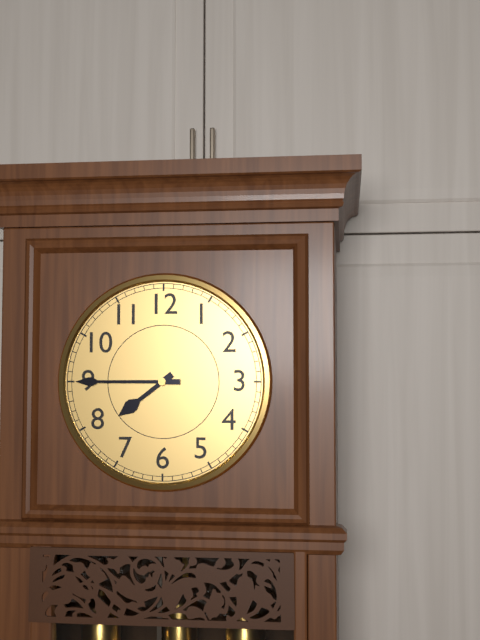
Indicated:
7 h 45 min
